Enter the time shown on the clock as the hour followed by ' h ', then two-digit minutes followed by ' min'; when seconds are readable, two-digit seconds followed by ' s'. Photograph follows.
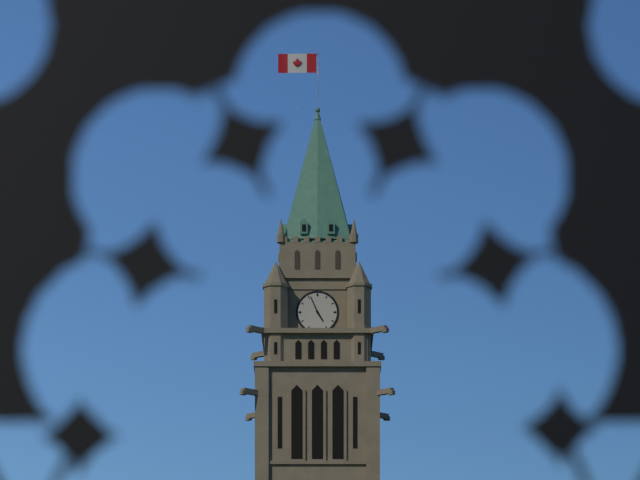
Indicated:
4 h 56 min
